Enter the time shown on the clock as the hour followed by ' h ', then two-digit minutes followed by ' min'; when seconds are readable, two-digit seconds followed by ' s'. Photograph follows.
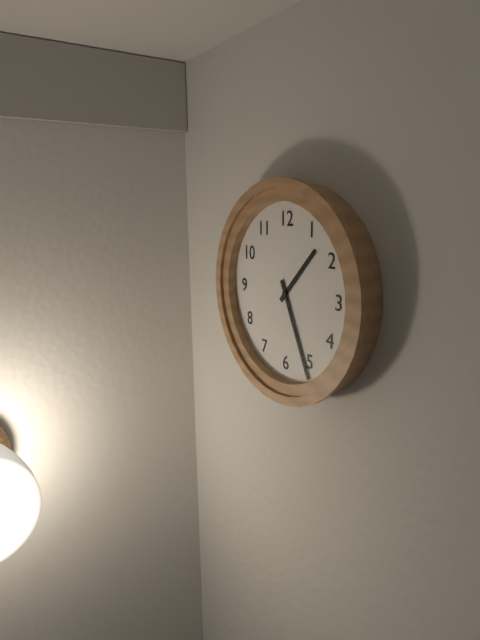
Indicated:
1 h 26 min
